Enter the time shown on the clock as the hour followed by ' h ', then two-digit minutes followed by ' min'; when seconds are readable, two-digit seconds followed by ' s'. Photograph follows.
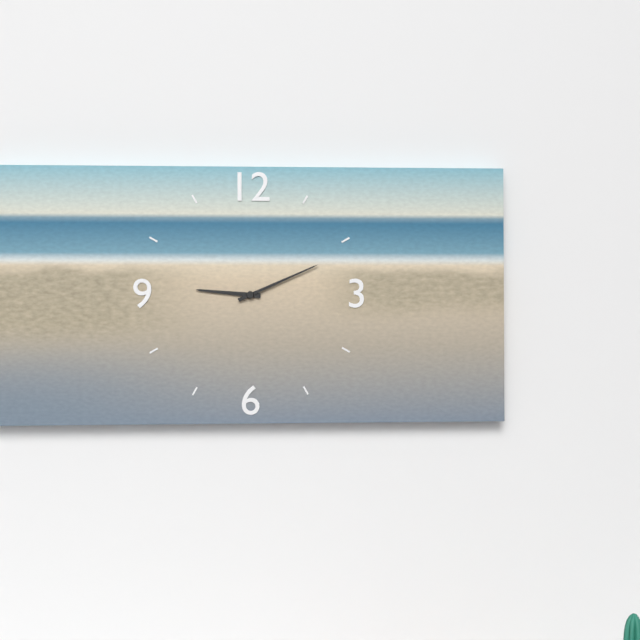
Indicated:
9 h 11 min
